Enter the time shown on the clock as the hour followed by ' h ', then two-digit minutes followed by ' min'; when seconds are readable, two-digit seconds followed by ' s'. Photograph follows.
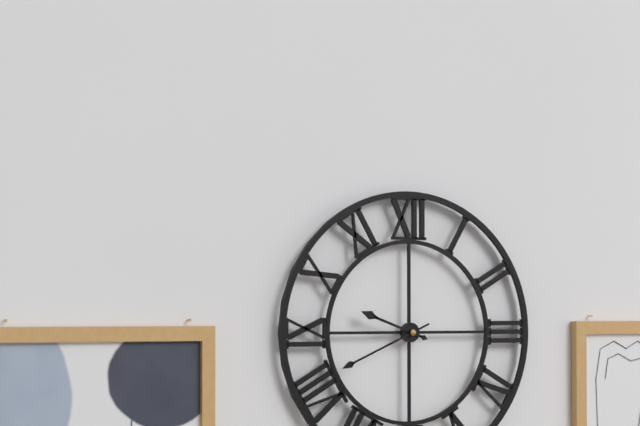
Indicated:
9 h 41 min
